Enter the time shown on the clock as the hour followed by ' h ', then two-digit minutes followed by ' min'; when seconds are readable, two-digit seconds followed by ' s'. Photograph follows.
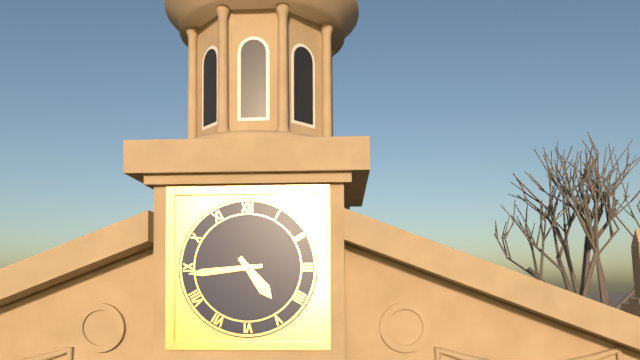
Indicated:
4 h 44 min
